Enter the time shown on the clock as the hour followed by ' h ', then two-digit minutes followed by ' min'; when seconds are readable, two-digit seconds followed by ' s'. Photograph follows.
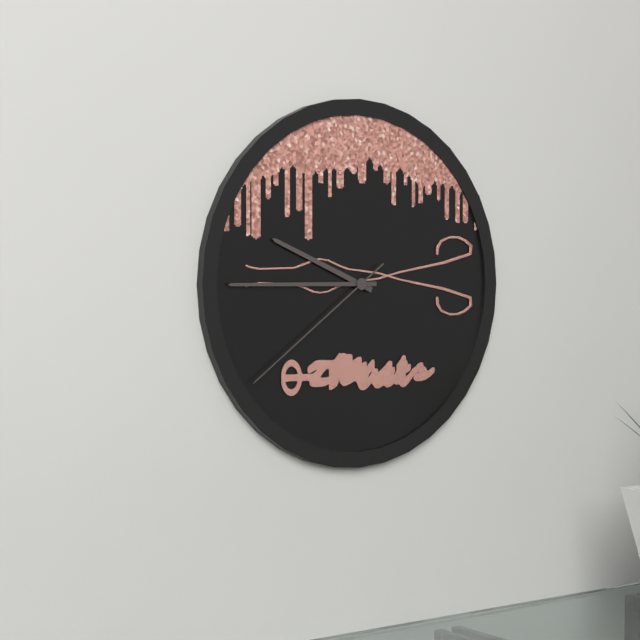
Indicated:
9 h 45 min 39 s
